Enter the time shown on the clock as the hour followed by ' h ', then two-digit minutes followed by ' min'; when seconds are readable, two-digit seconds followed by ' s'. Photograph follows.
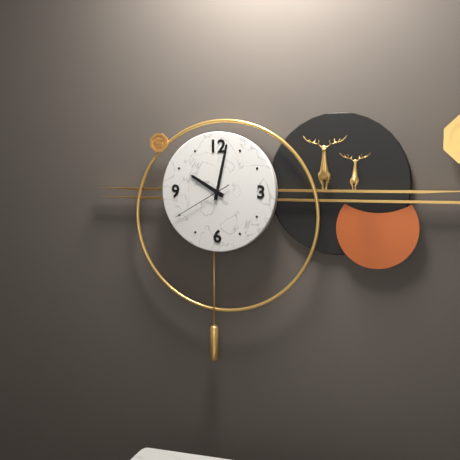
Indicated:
10 h 02 min 40 s
